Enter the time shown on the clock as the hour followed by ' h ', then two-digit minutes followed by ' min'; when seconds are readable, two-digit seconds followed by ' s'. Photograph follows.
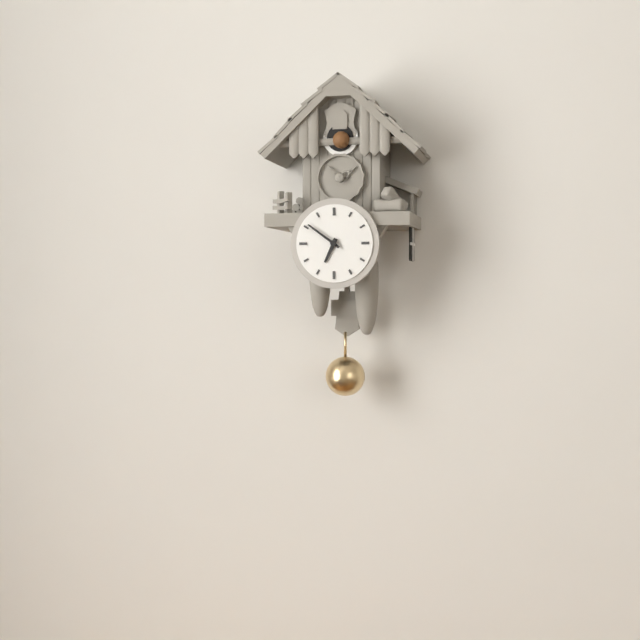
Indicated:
6 h 51 min
